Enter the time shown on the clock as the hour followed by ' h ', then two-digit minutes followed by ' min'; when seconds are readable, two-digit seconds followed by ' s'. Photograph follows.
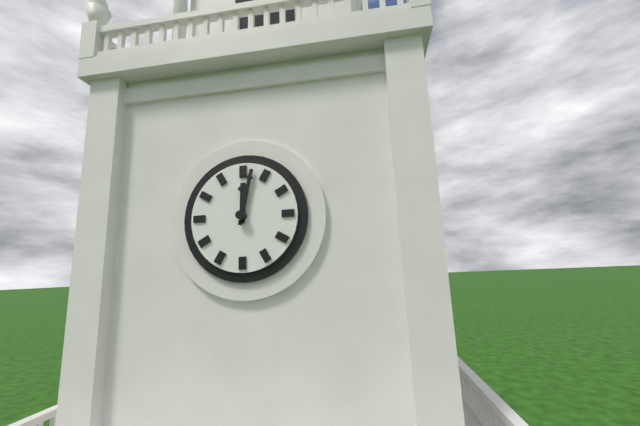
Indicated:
12 h 02 min
